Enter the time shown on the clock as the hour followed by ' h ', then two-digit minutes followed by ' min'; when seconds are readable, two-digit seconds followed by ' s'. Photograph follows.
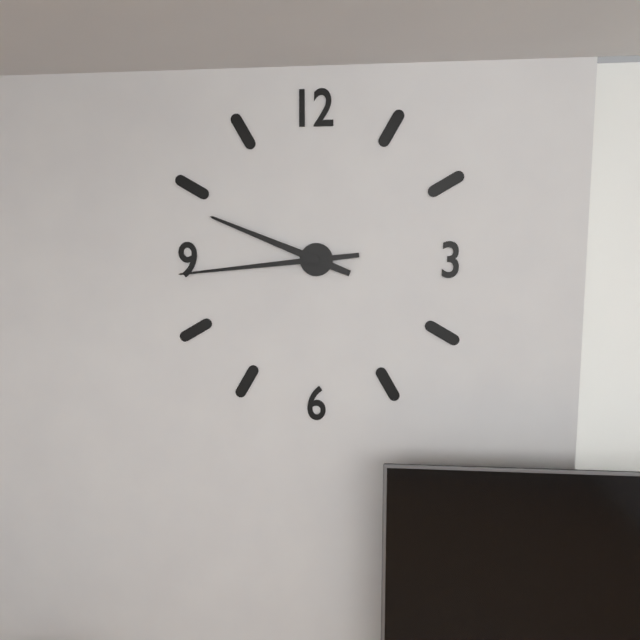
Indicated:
9 h 44 min
